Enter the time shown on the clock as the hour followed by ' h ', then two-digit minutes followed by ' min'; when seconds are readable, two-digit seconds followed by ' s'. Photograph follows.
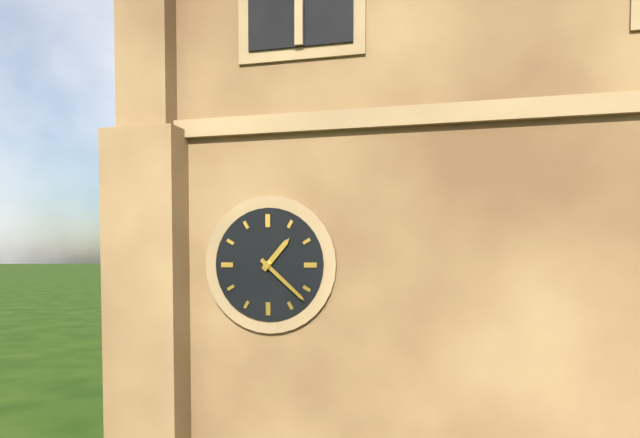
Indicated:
1 h 22 min
